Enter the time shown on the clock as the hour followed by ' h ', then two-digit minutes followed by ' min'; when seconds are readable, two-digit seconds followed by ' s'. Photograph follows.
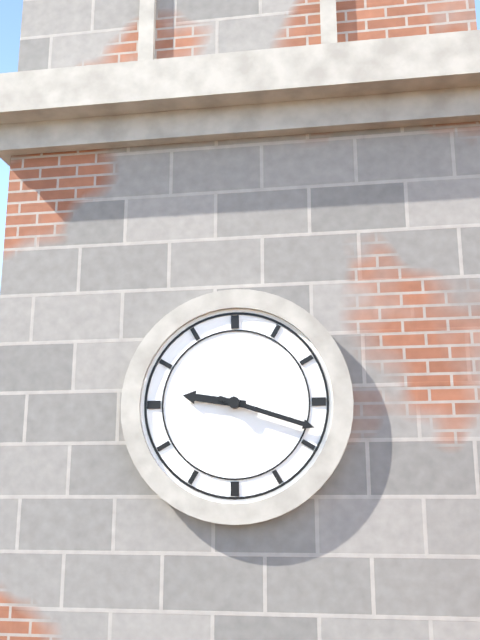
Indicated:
9 h 18 min
